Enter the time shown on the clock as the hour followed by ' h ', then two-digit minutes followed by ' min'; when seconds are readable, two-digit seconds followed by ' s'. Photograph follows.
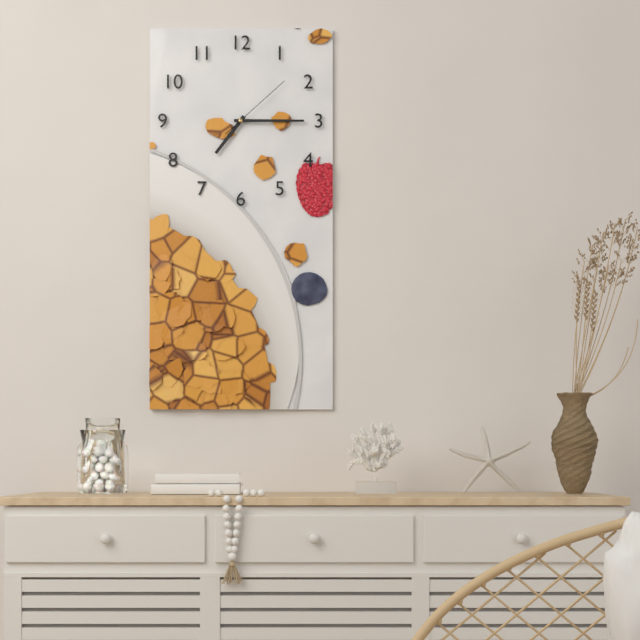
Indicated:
7 h 15 min 08 s
